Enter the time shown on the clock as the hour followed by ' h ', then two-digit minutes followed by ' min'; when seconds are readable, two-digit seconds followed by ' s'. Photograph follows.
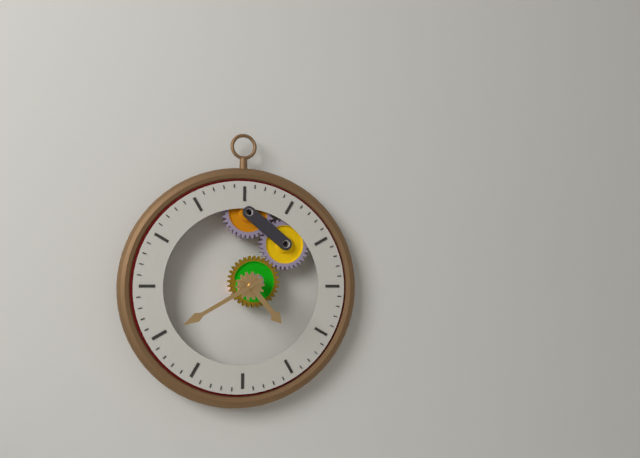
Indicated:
4 h 40 min
